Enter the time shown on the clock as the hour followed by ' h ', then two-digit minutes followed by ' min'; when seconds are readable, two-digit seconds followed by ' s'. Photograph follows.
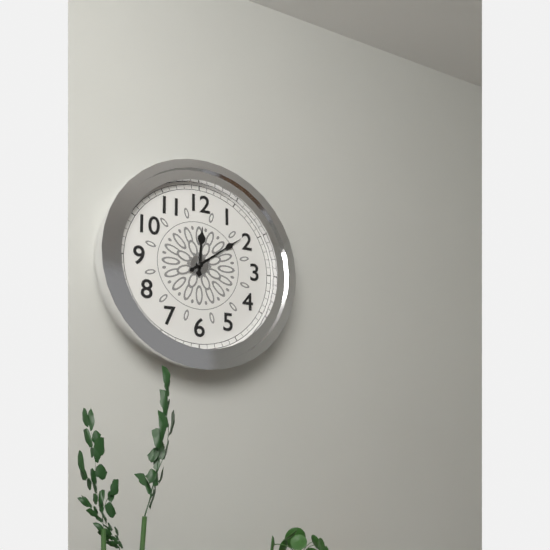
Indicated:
12 h 09 min
